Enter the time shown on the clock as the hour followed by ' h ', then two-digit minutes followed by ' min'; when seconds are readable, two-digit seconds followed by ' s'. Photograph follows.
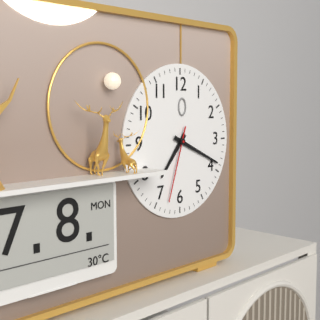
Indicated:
7 h 19 min 33 s
